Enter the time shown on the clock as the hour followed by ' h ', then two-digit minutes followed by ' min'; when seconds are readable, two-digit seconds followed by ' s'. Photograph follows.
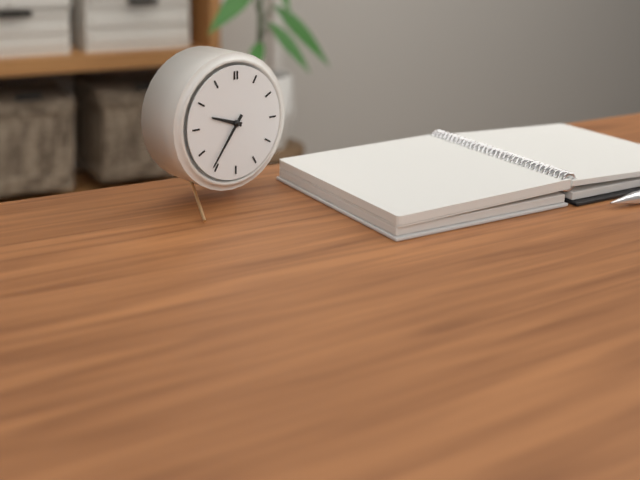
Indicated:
9 h 36 min
